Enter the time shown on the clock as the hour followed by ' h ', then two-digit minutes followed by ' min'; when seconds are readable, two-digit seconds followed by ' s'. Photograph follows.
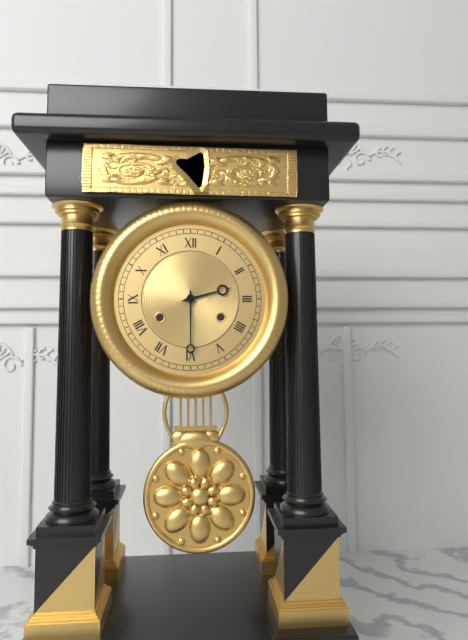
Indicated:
2 h 30 min
